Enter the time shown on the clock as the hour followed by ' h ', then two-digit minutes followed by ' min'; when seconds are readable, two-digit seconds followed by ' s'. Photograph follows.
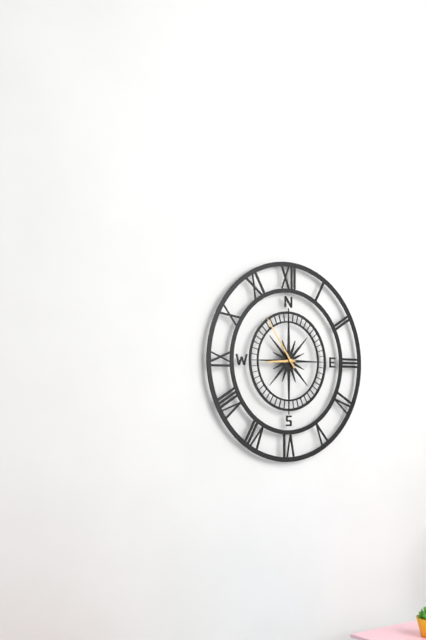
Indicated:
8 h 54 min
